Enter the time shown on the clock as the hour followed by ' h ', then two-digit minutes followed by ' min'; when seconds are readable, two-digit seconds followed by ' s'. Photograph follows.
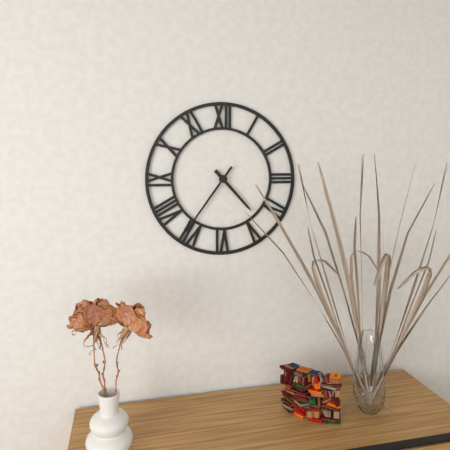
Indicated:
4 h 36 min
